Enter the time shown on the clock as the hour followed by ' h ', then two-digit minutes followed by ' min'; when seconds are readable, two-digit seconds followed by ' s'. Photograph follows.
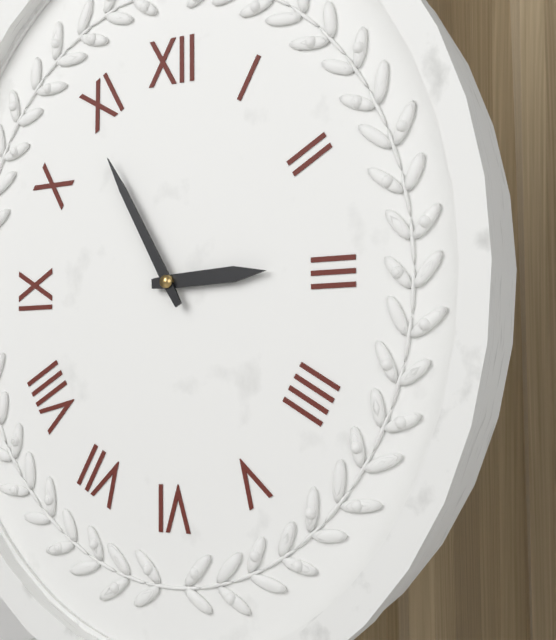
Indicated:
2 h 55 min
